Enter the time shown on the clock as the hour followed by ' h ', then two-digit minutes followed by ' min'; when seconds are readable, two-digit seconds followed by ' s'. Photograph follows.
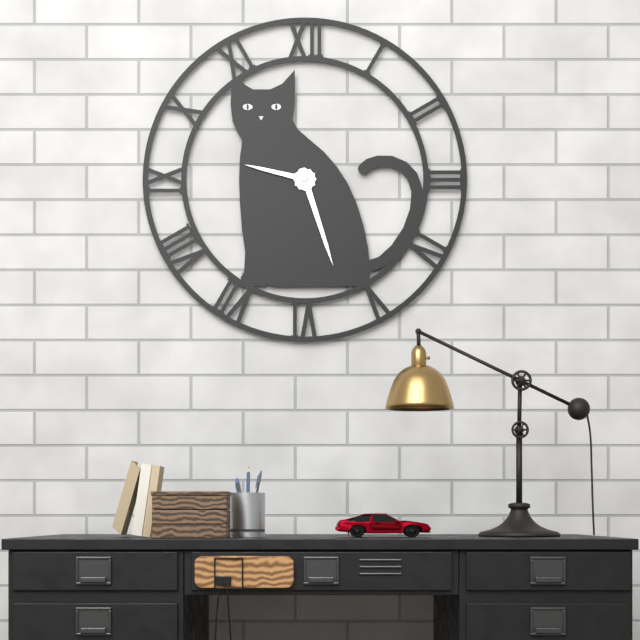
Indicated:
9 h 27 min
